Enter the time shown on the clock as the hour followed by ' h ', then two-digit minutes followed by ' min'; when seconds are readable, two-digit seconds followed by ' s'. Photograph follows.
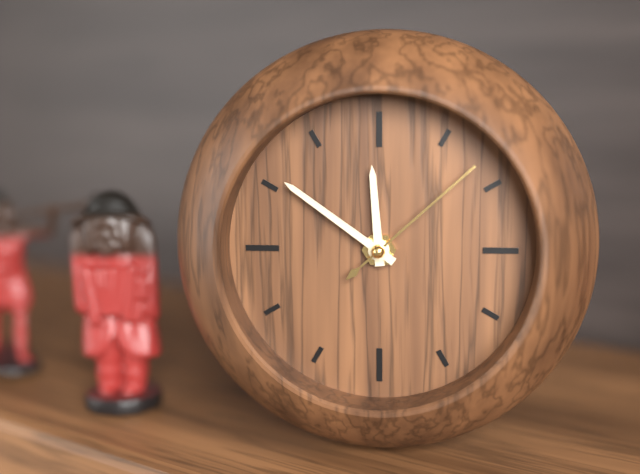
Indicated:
11 h 51 min 08 s
